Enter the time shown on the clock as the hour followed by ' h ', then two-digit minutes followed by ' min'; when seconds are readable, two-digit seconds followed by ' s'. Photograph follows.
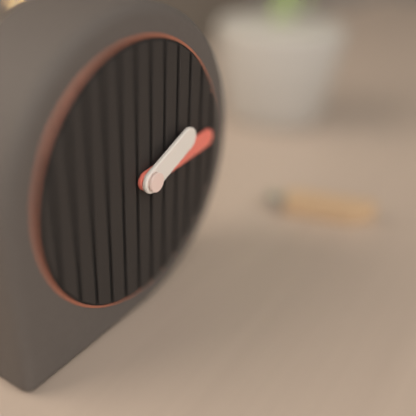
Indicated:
2 h 14 min
